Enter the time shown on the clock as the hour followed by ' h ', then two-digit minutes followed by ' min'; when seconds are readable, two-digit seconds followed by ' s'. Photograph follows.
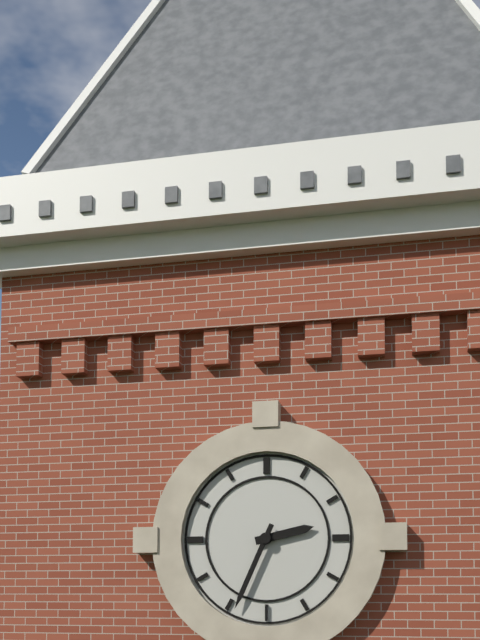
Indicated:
2 h 34 min
